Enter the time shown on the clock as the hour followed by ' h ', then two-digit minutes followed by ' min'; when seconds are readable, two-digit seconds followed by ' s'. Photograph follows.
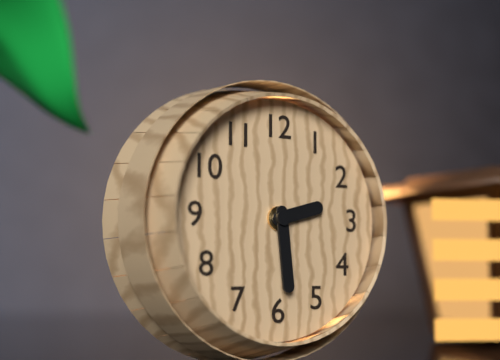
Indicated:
2 h 29 min
